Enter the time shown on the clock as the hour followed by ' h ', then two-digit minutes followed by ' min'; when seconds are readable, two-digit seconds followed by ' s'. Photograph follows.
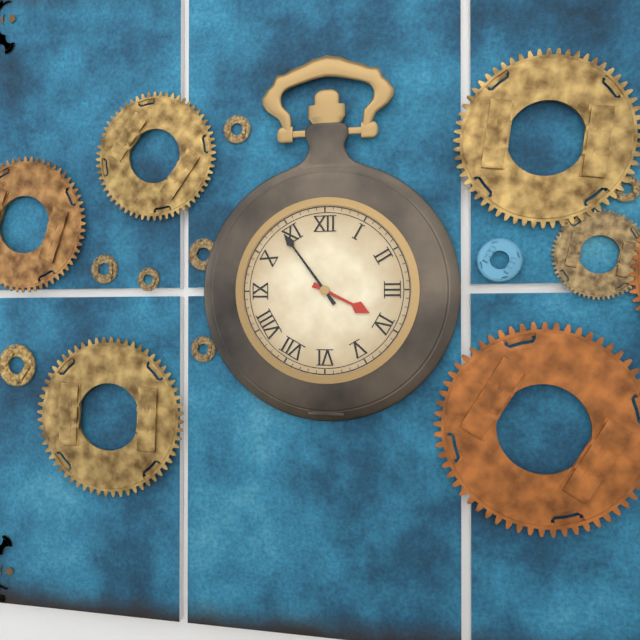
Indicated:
3 h 54 min
